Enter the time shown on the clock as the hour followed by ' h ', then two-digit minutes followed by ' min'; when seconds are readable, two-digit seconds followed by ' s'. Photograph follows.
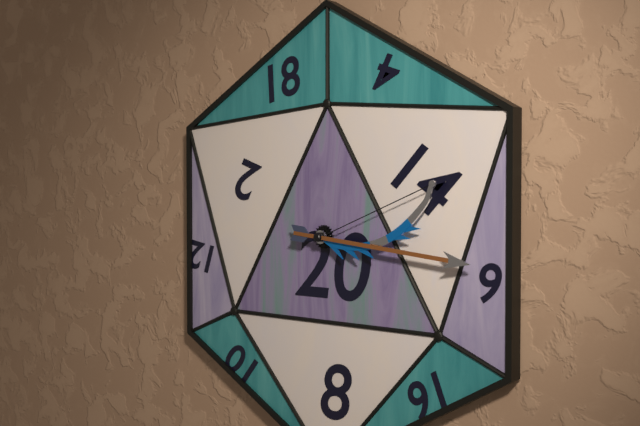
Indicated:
2 h 16 min
